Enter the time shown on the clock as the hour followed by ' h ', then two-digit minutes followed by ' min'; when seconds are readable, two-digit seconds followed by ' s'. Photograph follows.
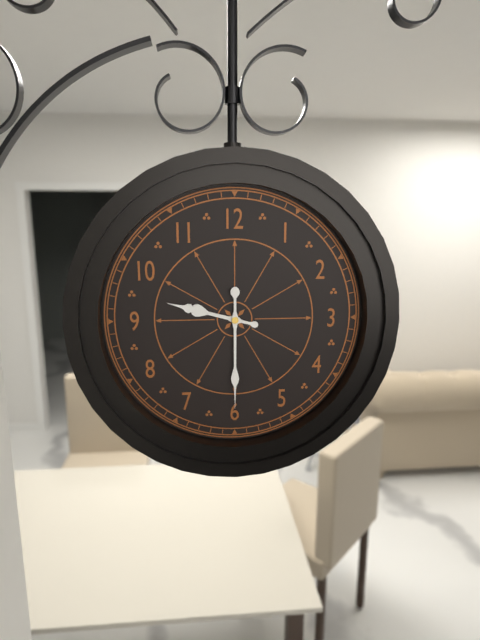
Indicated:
9 h 30 min
